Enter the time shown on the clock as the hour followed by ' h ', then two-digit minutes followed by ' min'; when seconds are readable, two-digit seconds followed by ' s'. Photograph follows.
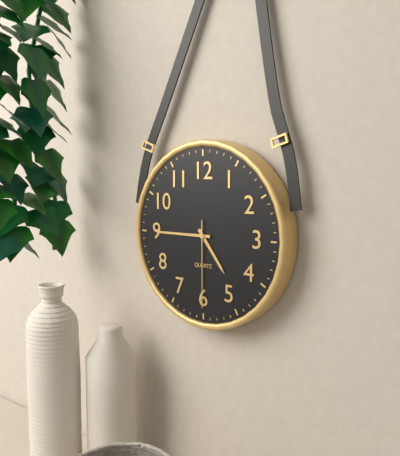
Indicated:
4 h 45 min 30 s
